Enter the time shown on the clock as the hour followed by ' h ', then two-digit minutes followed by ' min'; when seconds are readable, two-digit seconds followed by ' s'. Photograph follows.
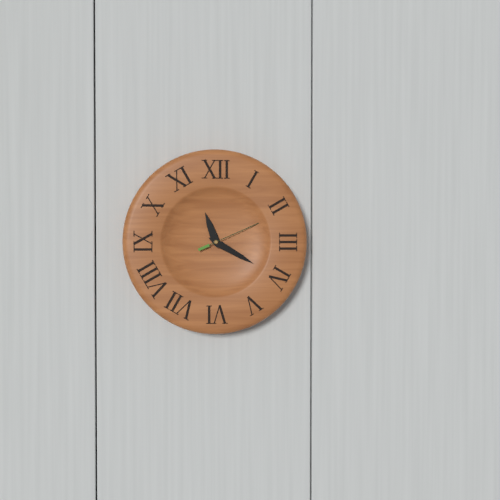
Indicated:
11 h 20 min 11 s
